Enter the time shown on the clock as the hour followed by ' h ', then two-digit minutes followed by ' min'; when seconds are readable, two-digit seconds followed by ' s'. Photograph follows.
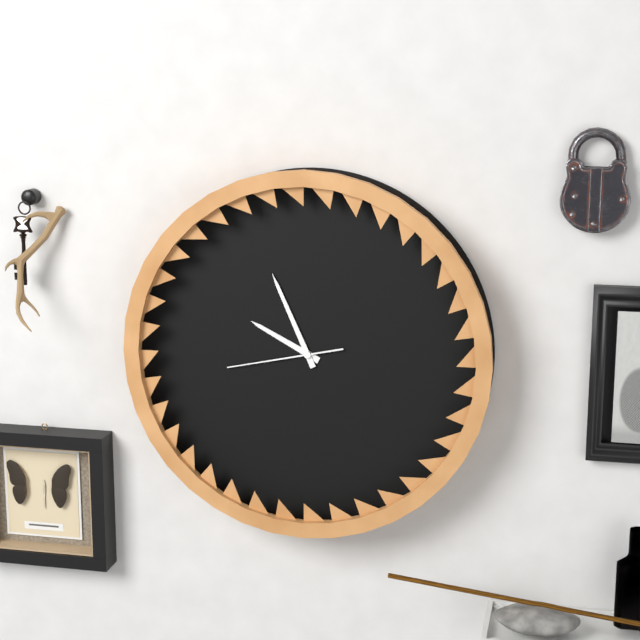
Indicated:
9 h 56 min 43 s
